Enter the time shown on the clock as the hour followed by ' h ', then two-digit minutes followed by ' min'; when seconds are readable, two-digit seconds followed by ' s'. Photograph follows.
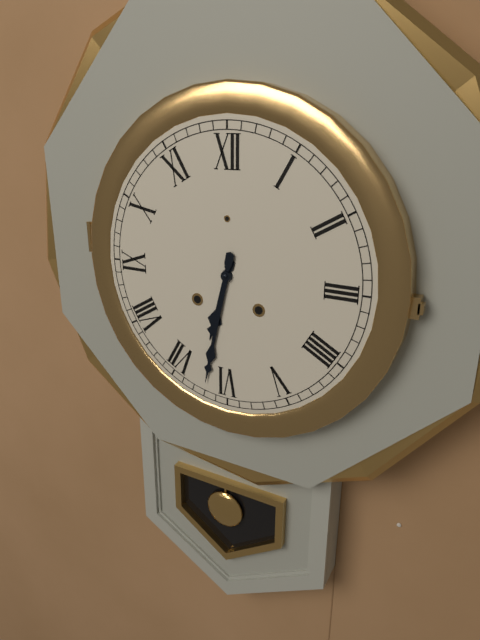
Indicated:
6 h 32 min
